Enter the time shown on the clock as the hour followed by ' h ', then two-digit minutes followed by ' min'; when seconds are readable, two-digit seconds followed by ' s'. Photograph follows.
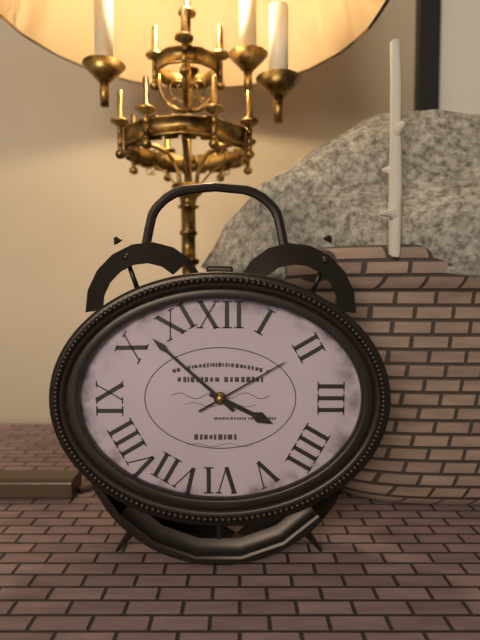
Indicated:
3 h 52 min 10 s
